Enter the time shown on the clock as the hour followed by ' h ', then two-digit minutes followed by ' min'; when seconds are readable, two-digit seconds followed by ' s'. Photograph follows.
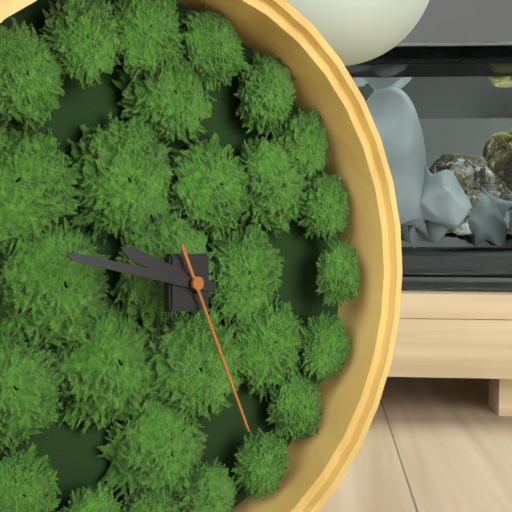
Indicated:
9 h 47 min 26 s
